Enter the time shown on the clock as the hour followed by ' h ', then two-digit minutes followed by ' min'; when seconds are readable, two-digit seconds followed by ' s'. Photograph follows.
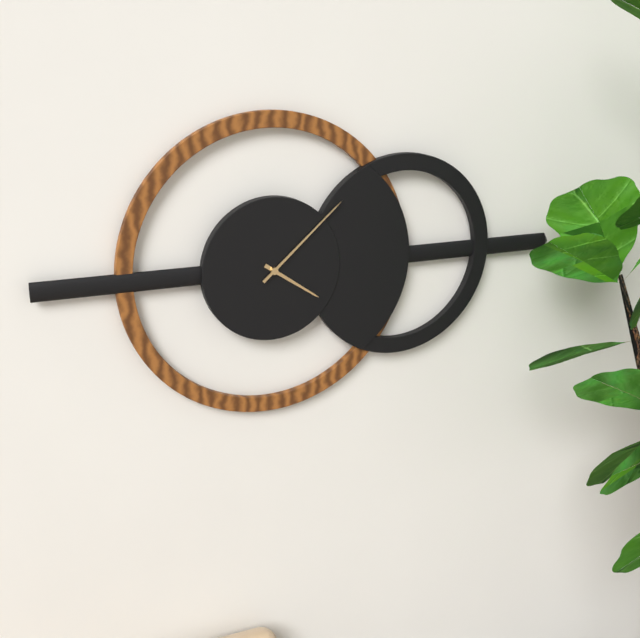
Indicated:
4 h 08 min
